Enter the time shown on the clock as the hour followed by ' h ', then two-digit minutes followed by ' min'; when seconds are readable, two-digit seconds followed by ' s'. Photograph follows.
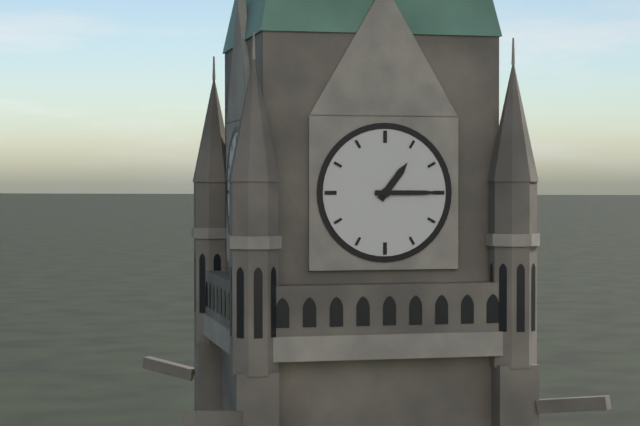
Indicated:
1 h 15 min
